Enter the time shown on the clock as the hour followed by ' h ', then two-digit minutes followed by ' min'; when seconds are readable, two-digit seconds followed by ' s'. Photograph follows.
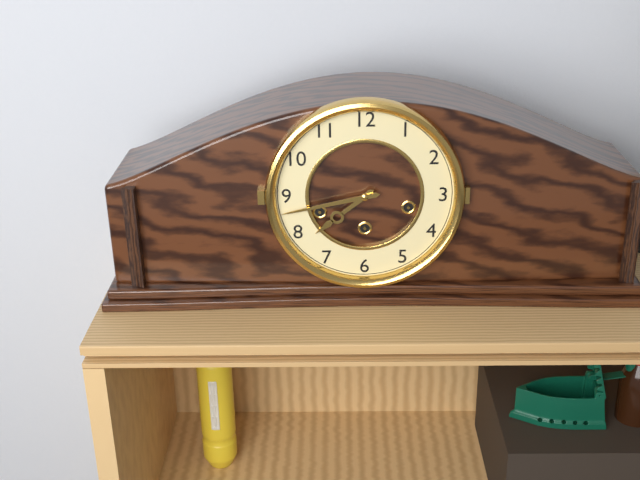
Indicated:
7 h 43 min
